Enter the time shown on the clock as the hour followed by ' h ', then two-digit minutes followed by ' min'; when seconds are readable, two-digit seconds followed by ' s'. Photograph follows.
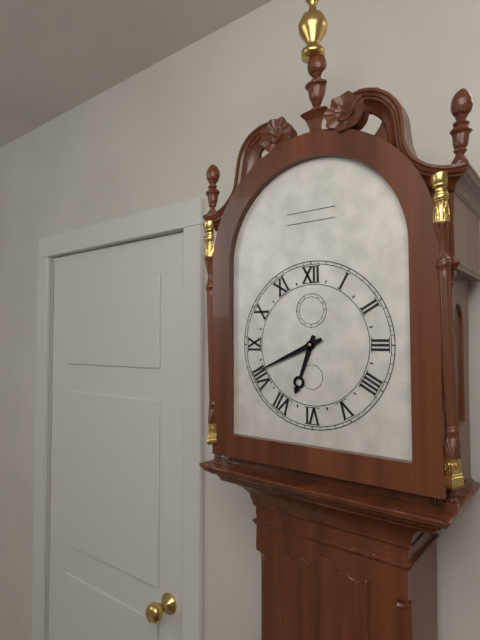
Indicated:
6 h 41 min
